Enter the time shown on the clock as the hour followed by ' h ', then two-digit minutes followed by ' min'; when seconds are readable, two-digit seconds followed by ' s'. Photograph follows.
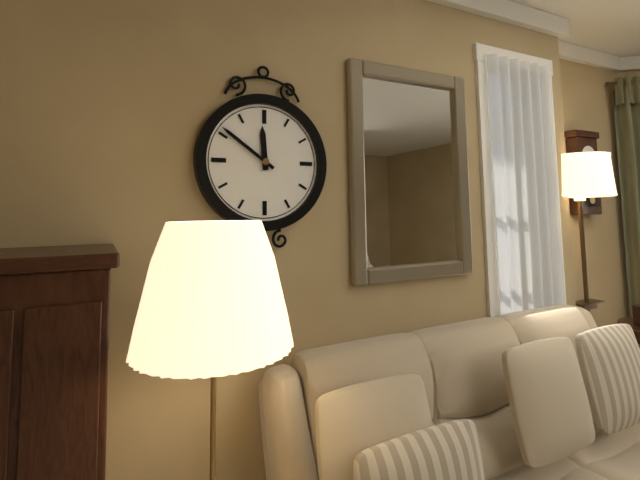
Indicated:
11 h 51 min
